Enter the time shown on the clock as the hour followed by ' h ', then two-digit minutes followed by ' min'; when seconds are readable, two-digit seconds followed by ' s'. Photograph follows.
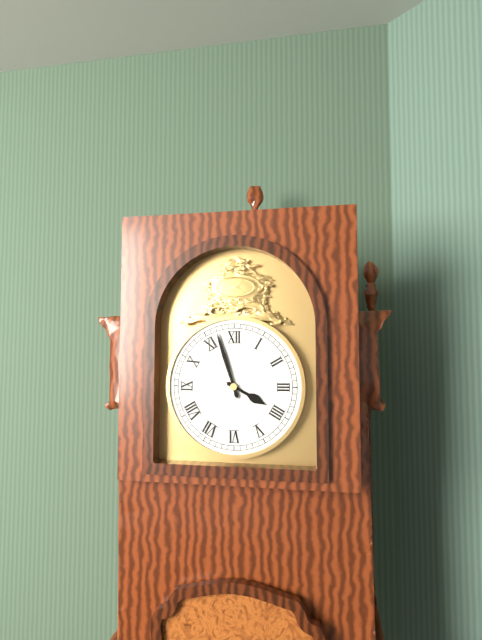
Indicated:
3 h 57 min
